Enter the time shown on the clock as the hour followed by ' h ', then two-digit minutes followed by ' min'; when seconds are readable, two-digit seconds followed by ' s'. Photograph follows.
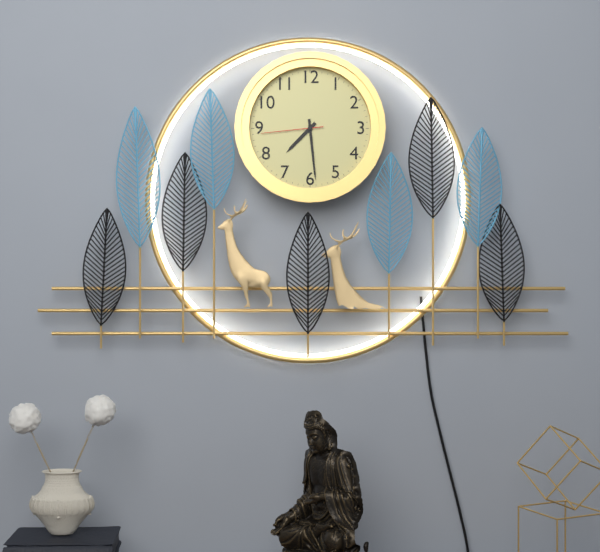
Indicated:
7 h 29 min 44 s
